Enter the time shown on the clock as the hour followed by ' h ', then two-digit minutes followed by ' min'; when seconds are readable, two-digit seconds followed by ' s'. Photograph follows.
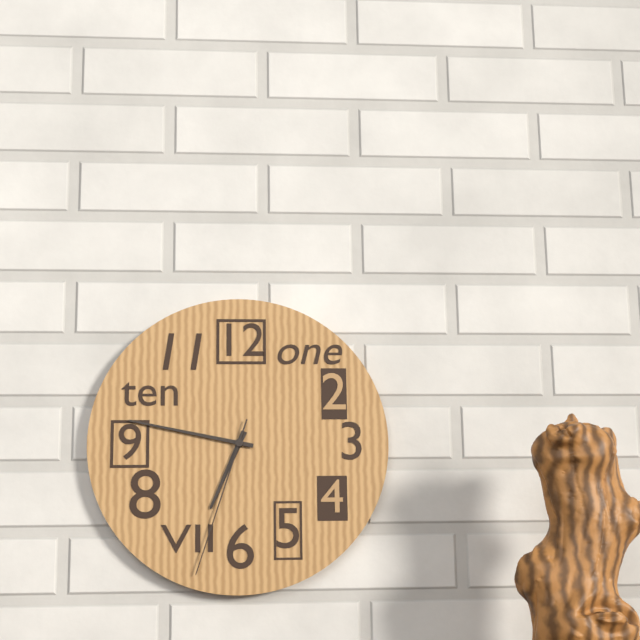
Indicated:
6 h 47 min 33 s
